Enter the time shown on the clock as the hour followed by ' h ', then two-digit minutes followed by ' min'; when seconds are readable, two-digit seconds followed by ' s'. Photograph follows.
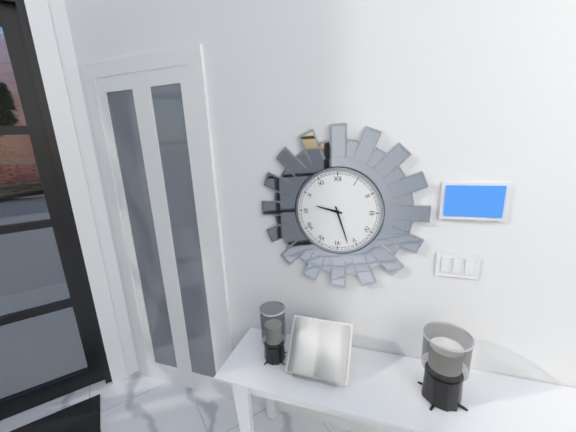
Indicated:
9 h 27 min
